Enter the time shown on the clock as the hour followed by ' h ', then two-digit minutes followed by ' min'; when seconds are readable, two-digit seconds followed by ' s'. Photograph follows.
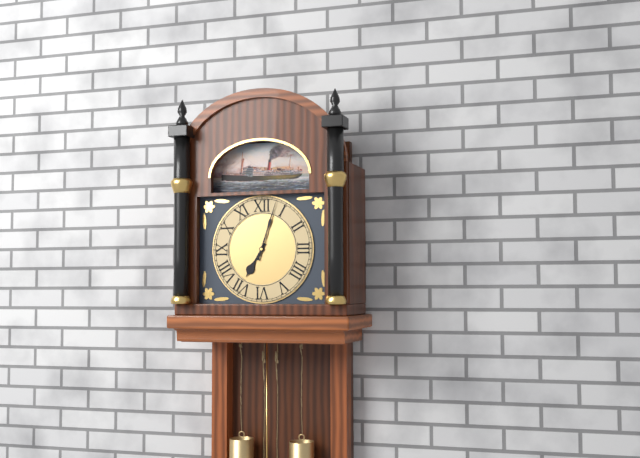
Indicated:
7 h 03 min
